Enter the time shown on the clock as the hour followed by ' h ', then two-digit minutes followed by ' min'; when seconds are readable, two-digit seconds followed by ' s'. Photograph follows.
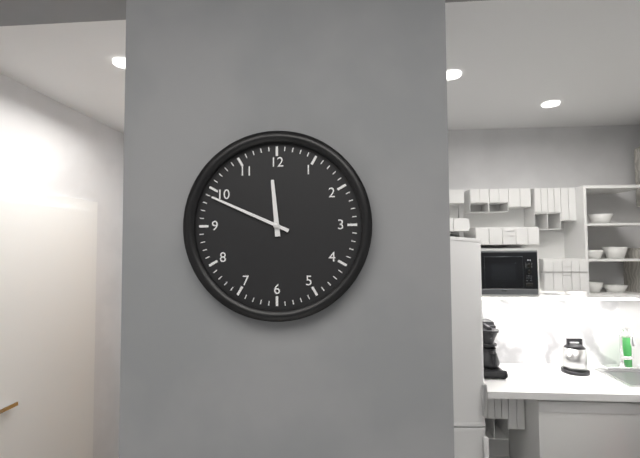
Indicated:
11 h 49 min
